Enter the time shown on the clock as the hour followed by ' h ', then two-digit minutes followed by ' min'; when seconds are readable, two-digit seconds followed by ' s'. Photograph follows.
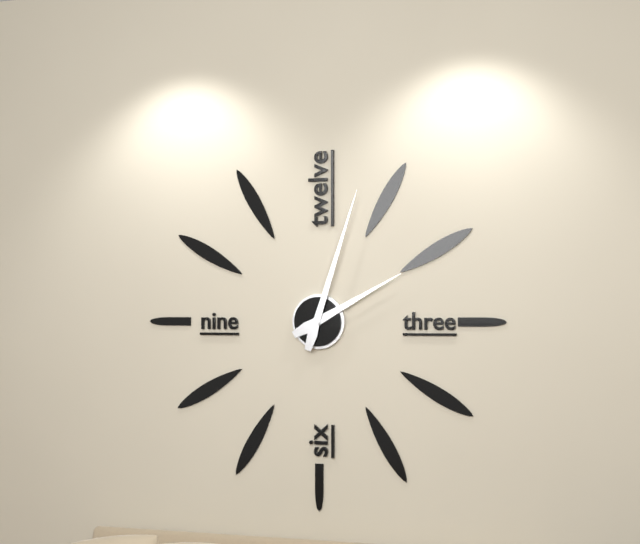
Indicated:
2 h 03 min
